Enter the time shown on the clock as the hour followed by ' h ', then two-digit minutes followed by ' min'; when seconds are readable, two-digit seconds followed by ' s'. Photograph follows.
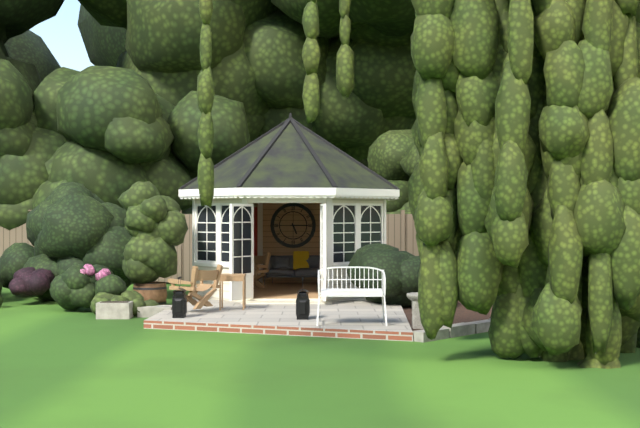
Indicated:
5 h 15 min
